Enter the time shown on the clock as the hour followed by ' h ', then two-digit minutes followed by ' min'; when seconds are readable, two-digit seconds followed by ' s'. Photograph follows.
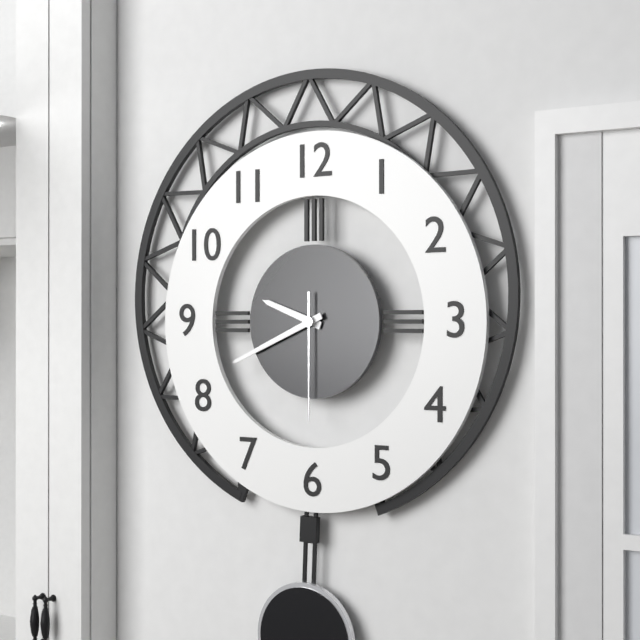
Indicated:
9 h 41 min 30 s
